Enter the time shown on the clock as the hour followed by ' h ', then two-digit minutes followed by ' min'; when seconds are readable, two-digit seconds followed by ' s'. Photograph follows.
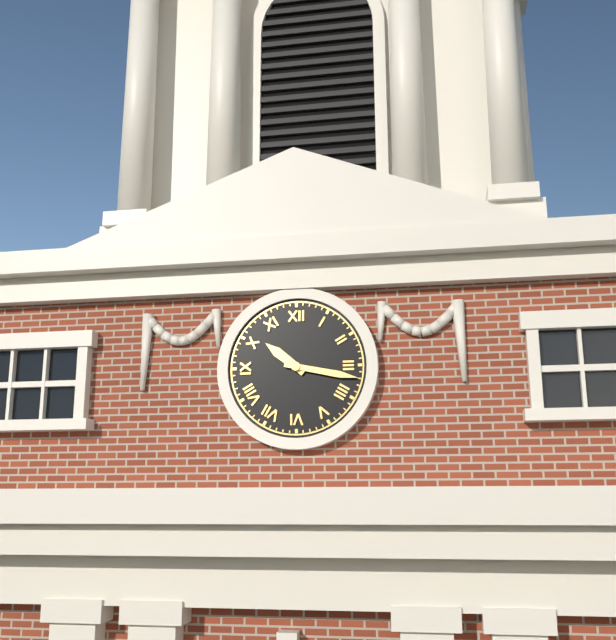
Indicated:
10 h 17 min
